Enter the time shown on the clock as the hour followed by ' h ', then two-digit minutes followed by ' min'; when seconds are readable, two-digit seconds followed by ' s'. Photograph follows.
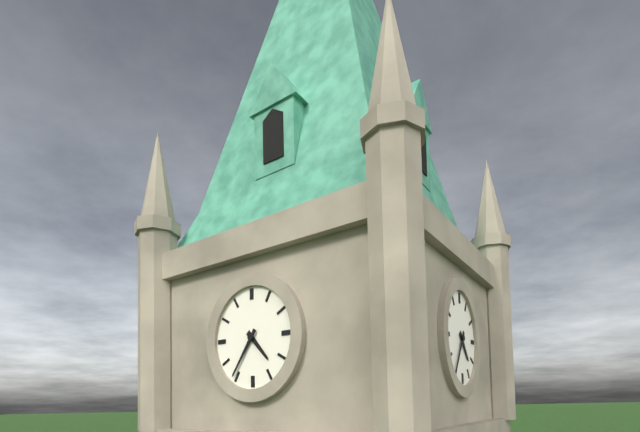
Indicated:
4 h 36 min
